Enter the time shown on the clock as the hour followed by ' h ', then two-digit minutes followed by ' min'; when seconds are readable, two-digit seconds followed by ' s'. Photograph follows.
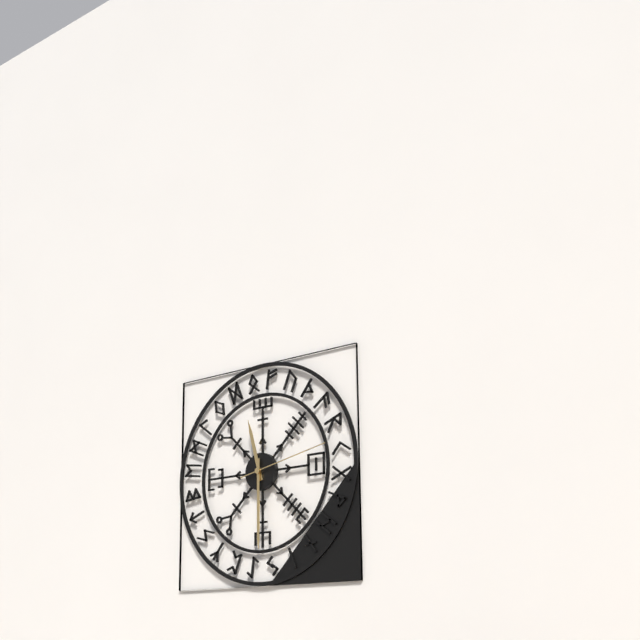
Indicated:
11 h 30 min 13 s
